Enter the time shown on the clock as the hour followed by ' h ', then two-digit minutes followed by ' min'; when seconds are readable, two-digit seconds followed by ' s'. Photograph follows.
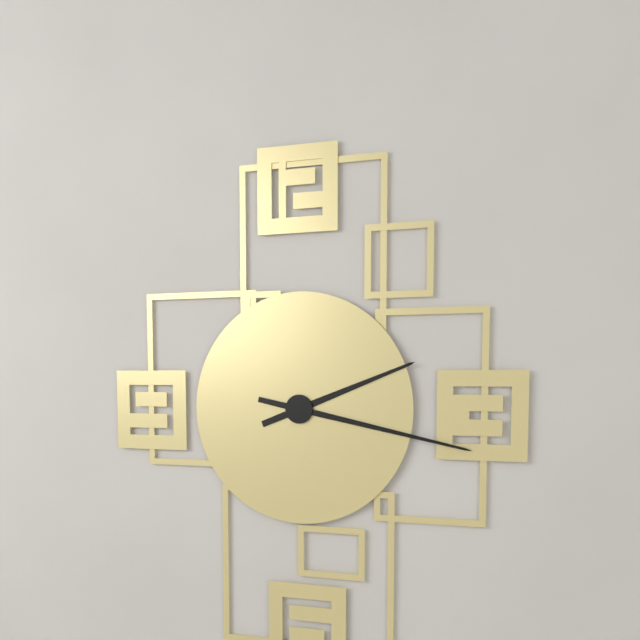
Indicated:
2 h 17 min
